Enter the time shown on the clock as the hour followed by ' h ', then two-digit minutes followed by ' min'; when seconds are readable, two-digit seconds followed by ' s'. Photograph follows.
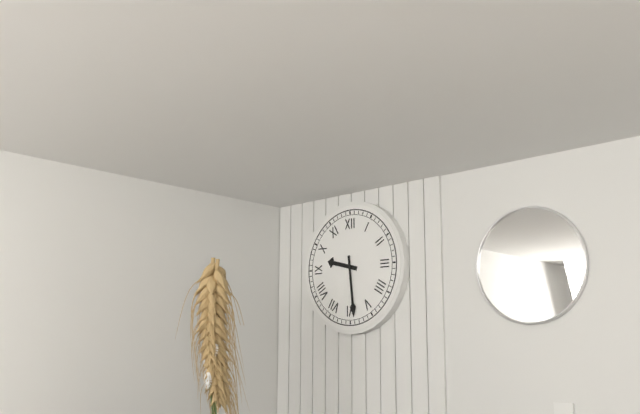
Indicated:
9 h 29 min
